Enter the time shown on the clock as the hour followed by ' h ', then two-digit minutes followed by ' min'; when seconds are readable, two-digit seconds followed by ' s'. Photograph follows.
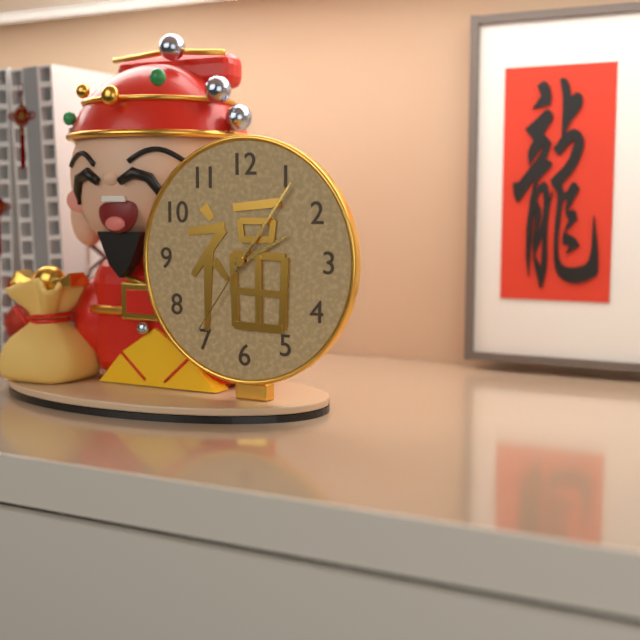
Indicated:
2 h 06 min 36 s
